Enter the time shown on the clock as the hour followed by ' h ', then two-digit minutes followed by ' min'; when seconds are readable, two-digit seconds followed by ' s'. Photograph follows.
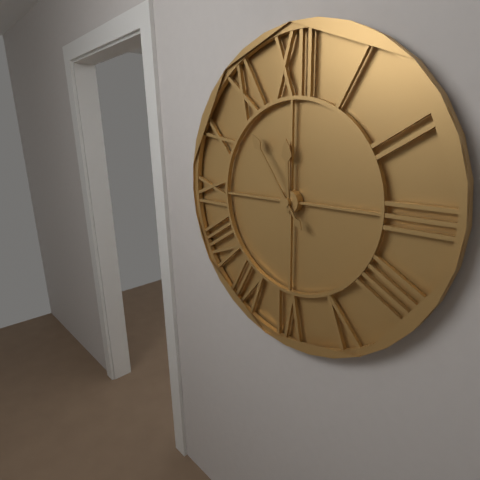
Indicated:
11 h 54 min
